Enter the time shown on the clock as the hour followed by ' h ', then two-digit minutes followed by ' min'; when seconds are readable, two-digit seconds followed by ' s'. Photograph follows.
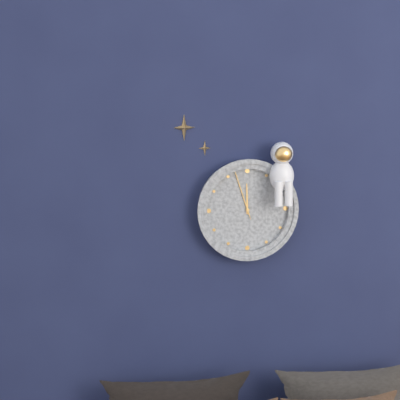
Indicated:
11 h 57 min 57 s
